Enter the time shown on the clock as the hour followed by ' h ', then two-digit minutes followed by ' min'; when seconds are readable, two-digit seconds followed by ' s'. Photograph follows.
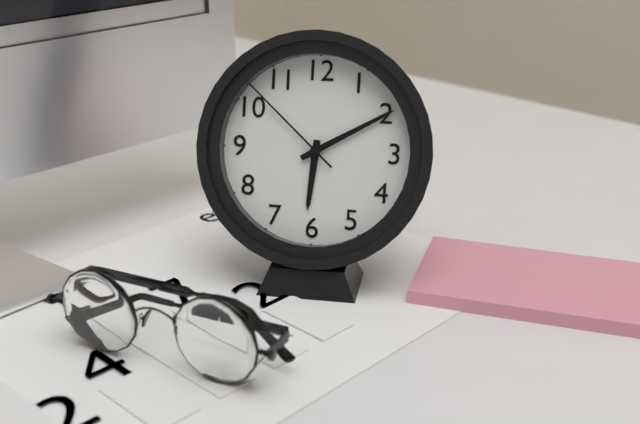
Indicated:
6 h 10 min 52 s
